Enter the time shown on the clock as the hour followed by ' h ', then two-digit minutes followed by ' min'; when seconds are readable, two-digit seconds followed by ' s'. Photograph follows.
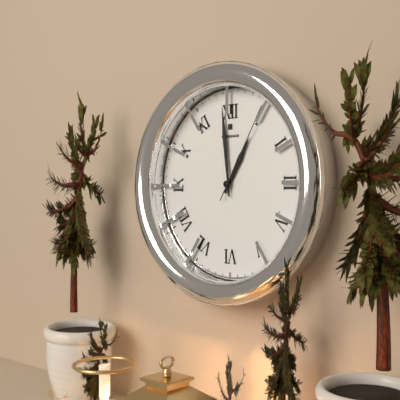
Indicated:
12 h 59 min 05 s
